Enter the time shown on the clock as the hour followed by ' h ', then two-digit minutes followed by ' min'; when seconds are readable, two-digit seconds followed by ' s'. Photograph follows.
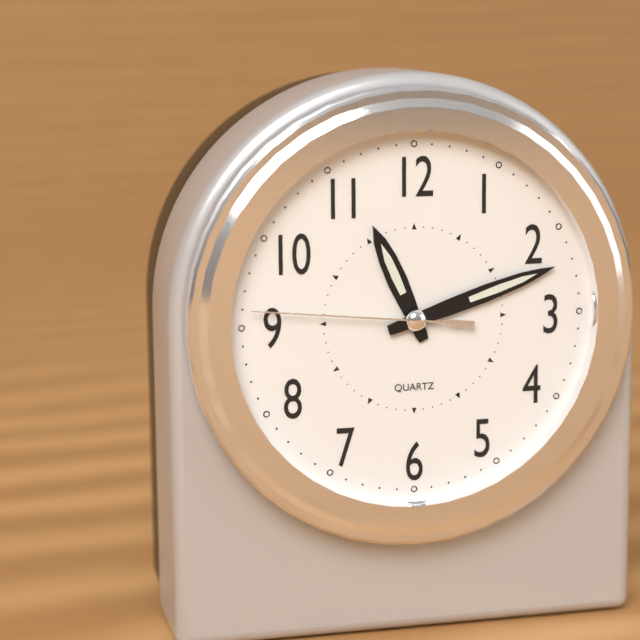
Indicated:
11 h 12 min 46 s
